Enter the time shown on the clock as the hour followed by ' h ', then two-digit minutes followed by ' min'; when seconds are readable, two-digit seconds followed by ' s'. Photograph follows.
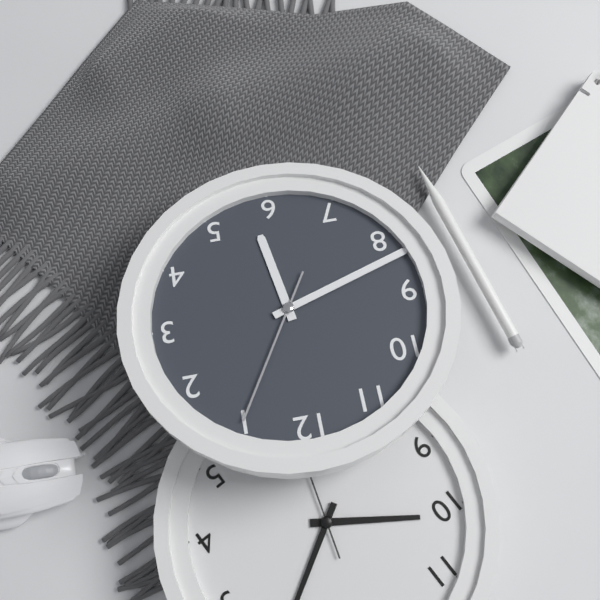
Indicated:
5 h 42 min 05 s
